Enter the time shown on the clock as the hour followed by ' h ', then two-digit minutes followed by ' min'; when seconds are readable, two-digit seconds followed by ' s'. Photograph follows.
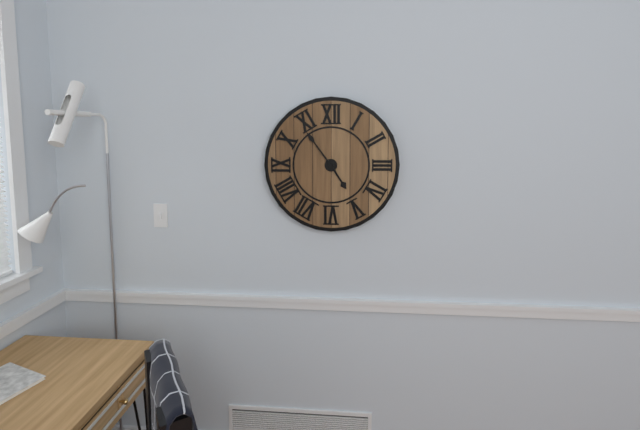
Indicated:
4 h 54 min
